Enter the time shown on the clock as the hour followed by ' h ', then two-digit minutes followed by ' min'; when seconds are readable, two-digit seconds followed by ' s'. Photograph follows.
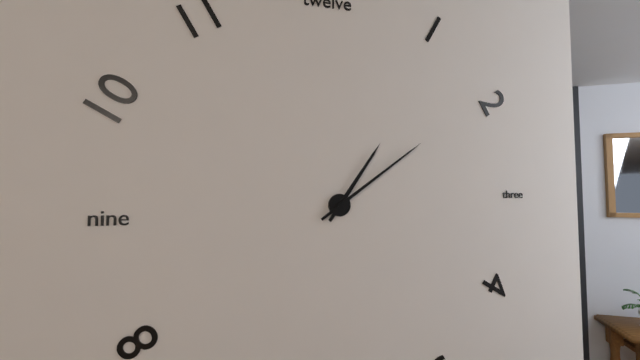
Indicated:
1 h 09 min
